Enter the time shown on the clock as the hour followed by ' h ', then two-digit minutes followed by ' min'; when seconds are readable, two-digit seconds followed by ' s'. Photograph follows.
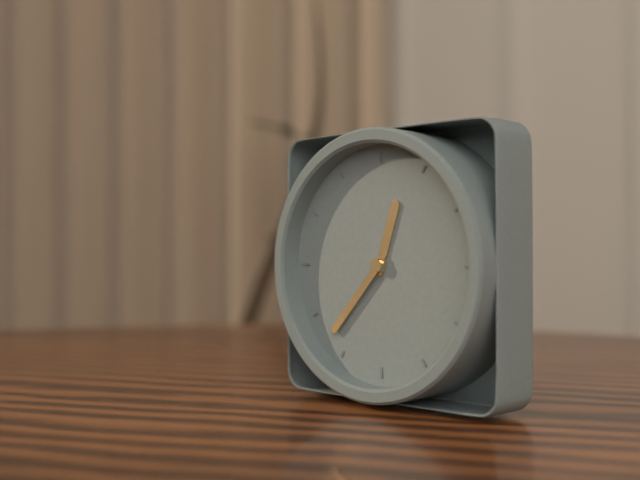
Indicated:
12 h 37 min
